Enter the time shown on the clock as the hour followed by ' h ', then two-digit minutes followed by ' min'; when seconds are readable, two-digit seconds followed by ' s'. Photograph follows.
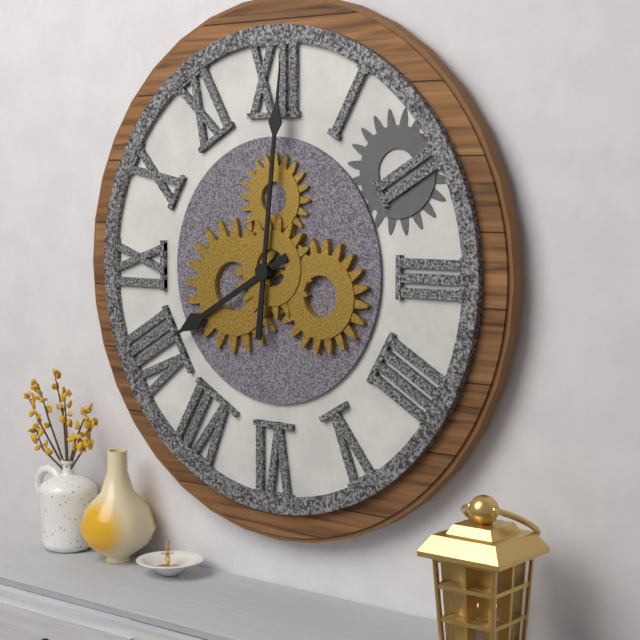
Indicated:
8 h 01 min
